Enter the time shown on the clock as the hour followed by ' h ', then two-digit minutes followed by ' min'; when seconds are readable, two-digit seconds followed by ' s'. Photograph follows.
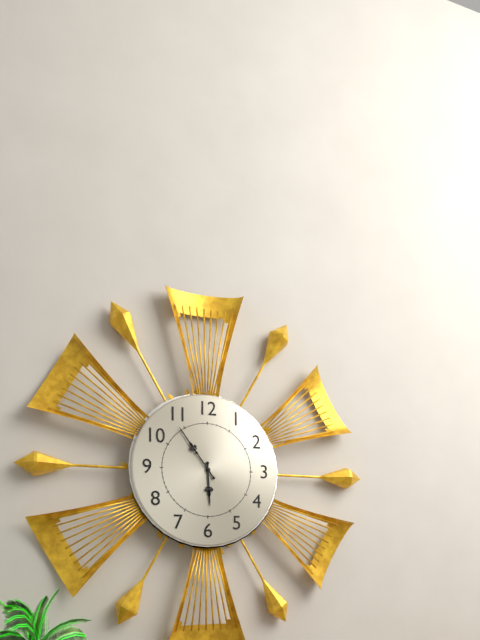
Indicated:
5 h 54 min
